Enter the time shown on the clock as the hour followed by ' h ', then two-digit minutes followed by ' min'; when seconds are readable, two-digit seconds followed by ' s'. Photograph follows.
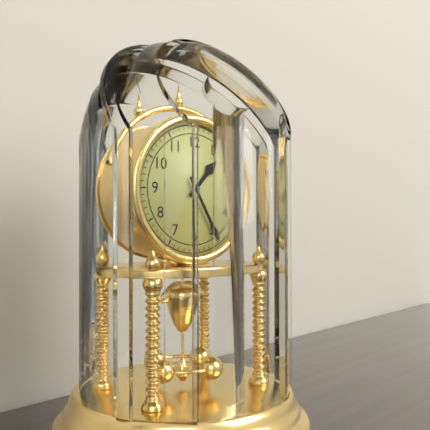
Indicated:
1 h 25 min
